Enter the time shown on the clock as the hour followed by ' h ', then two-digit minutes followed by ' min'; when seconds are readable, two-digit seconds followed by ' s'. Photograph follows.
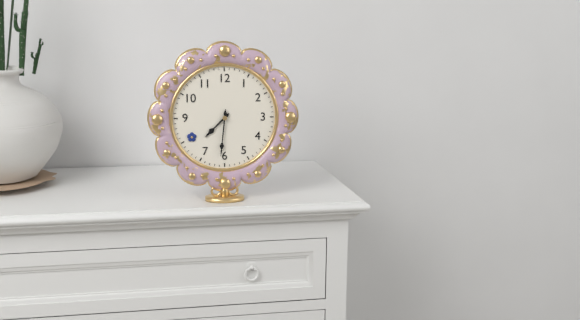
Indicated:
7 h 31 min
